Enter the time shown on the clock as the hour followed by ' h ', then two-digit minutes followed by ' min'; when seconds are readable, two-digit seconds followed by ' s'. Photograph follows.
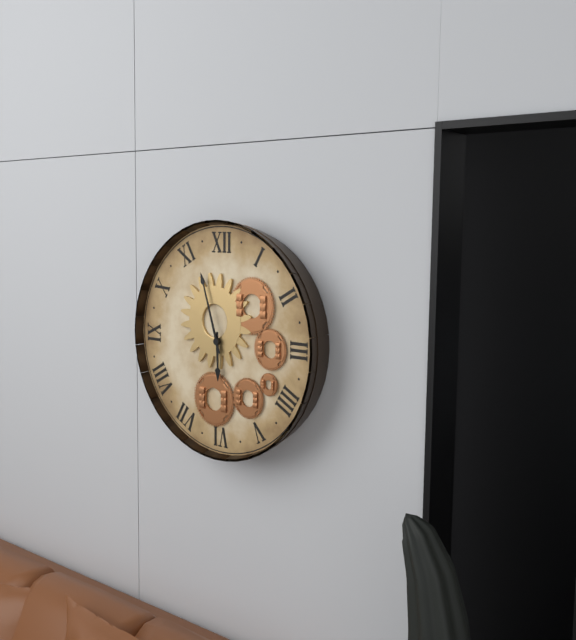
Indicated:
5 h 57 min
